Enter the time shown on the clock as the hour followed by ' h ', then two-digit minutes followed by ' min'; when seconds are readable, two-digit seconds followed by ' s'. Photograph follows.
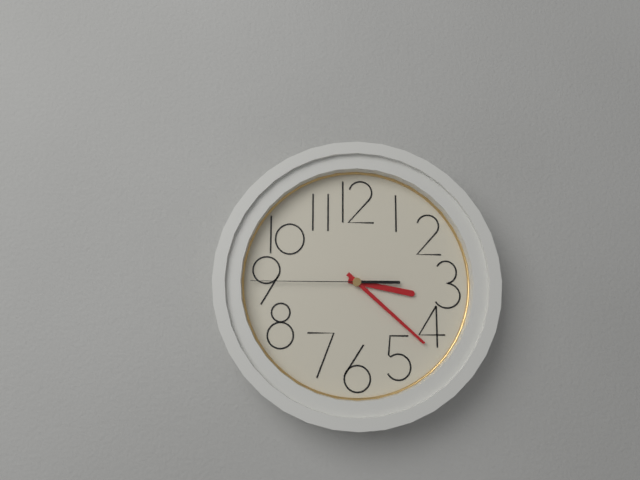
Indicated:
3 h 22 min 45 s
